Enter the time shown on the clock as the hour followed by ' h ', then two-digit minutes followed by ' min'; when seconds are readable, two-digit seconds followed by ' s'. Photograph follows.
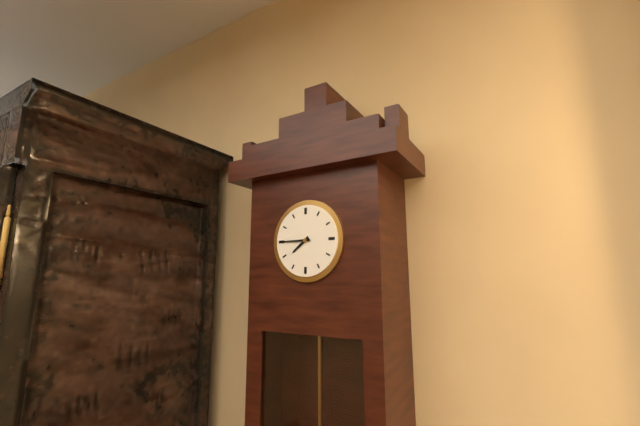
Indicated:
7 h 45 min
